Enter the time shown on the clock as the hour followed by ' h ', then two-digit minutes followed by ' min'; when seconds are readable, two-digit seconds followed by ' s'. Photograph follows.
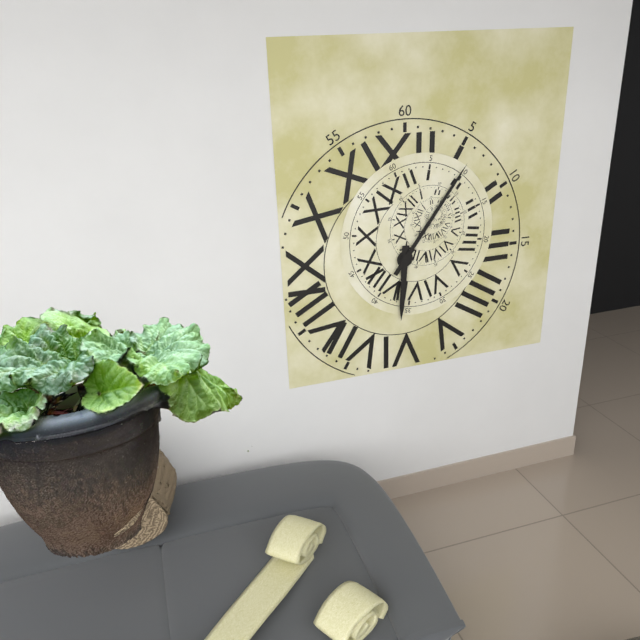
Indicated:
6 h 06 min
